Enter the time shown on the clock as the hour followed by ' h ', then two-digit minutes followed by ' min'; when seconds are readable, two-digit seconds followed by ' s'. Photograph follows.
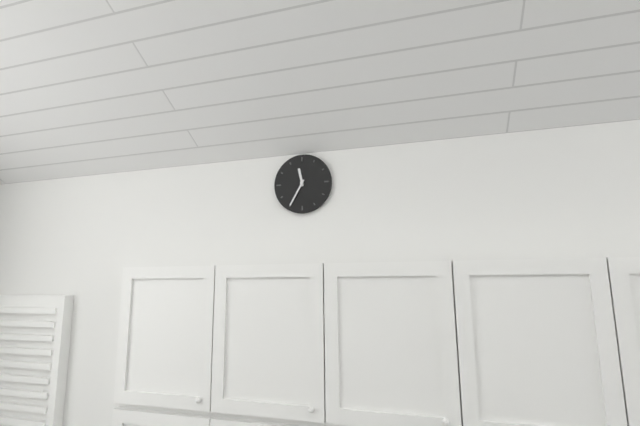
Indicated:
11 h 35 min
